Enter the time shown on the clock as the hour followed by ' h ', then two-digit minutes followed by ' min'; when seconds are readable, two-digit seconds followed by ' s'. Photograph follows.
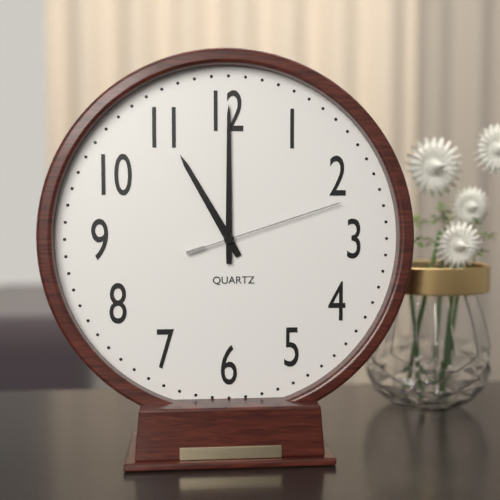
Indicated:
11 h 00 min 12 s
